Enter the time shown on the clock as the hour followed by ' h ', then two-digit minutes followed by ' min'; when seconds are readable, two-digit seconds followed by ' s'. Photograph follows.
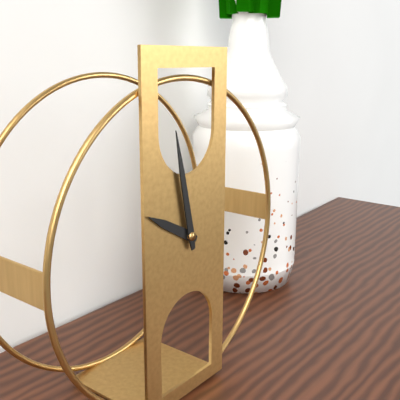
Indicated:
9 h 58 min
